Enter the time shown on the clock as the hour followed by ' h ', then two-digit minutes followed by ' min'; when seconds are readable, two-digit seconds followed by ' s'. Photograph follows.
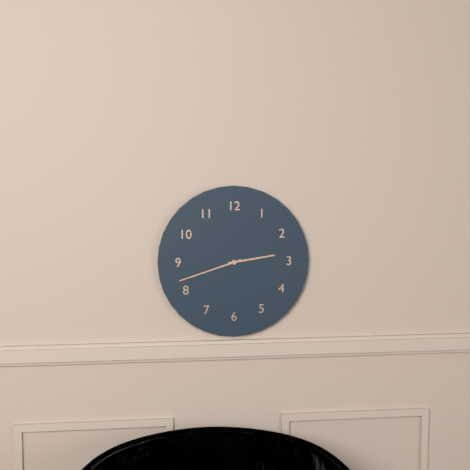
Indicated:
2 h 42 min
